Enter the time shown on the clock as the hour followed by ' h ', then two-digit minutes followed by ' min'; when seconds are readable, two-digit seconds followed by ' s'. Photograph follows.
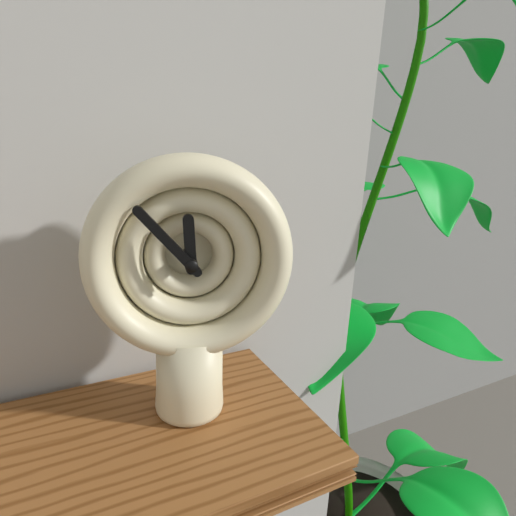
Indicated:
11 h 53 min
